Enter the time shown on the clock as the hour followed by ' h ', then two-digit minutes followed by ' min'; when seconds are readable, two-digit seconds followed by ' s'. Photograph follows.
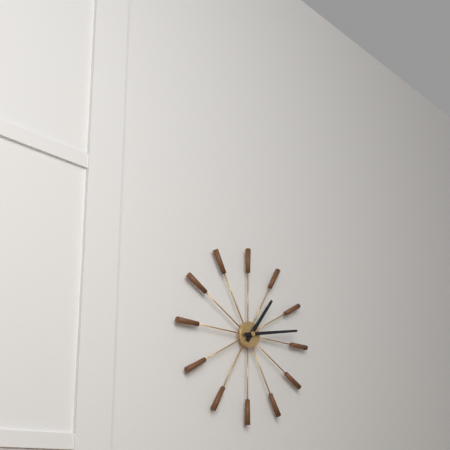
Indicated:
1 h 13 min
